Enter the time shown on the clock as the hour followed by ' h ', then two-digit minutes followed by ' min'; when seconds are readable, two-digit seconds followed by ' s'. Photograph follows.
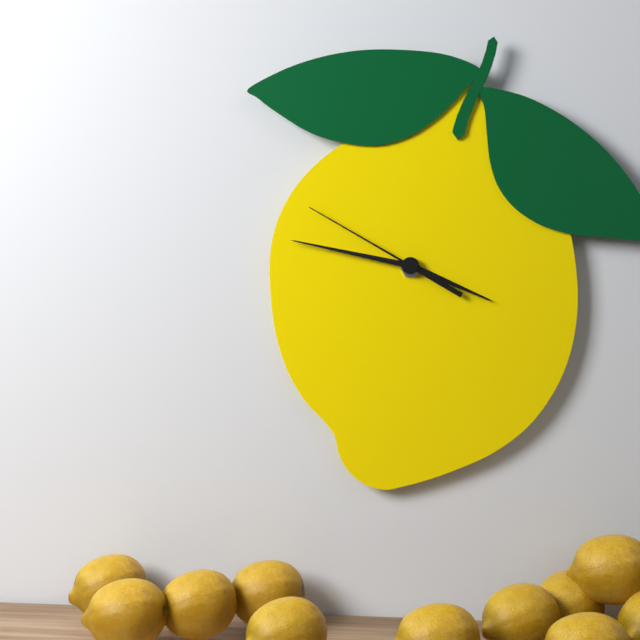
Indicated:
3 h 47 min 50 s
